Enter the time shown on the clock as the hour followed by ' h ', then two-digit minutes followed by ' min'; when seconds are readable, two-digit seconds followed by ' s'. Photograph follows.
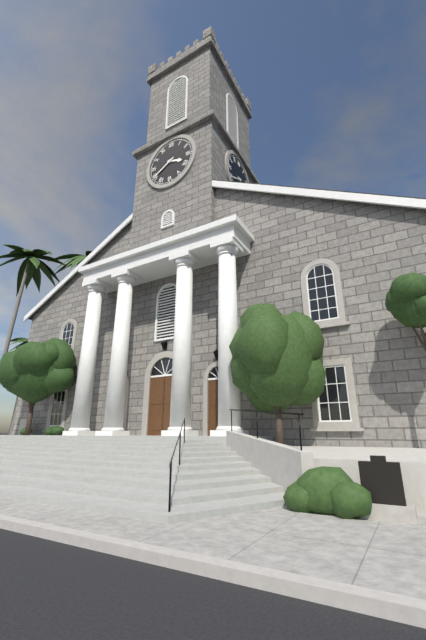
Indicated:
3 h 40 min
